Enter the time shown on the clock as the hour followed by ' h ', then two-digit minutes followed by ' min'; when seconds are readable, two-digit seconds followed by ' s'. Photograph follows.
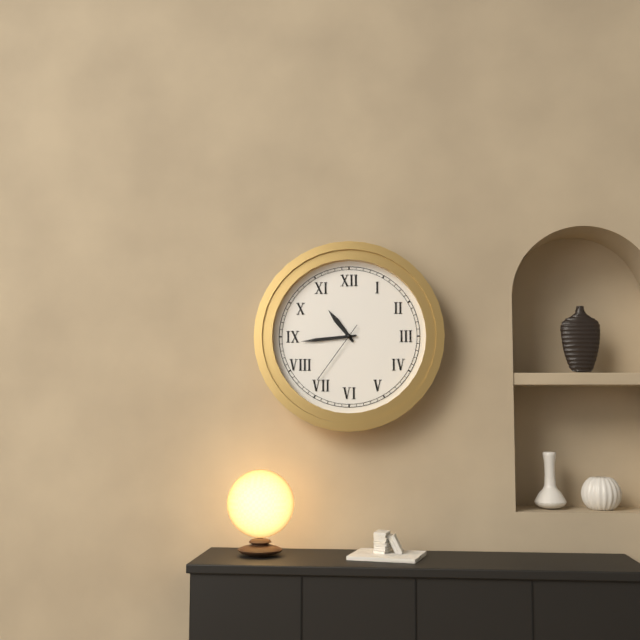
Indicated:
10 h 44 min 36 s
